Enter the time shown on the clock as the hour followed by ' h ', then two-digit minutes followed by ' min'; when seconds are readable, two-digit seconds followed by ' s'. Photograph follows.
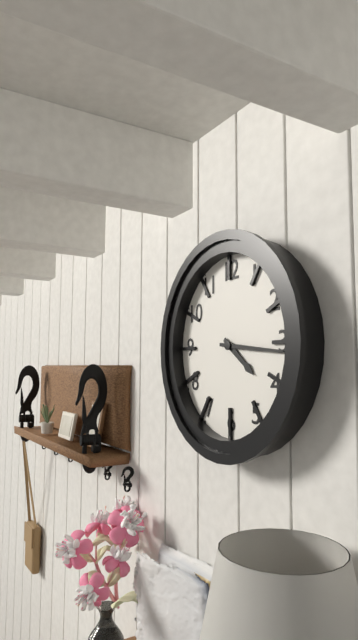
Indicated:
4 h 16 min
